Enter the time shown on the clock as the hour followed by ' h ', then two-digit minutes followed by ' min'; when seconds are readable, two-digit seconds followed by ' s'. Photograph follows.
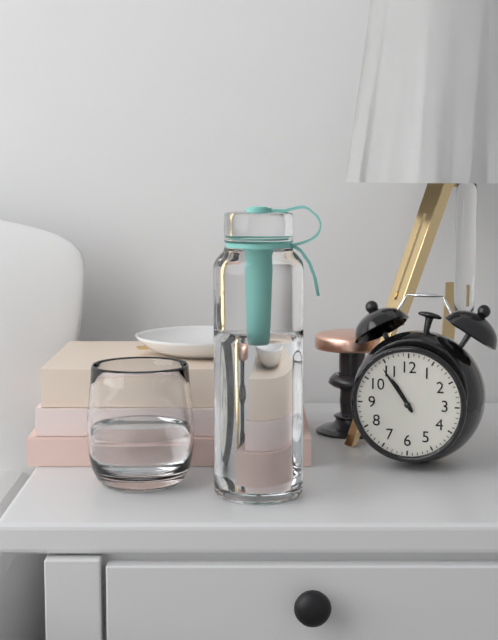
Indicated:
10 h 54 min
